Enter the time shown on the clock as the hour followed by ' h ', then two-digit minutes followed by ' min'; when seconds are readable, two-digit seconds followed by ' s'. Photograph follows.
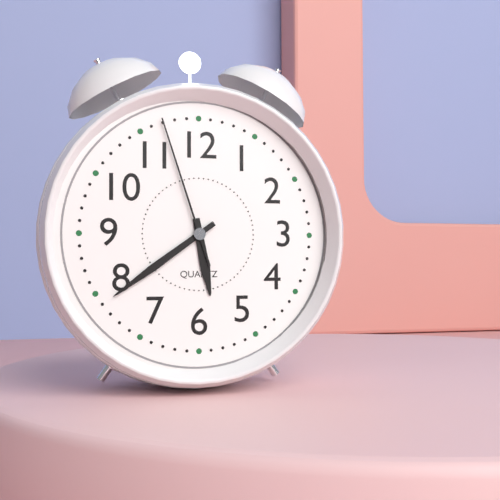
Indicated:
5 h 39 min 57 s
